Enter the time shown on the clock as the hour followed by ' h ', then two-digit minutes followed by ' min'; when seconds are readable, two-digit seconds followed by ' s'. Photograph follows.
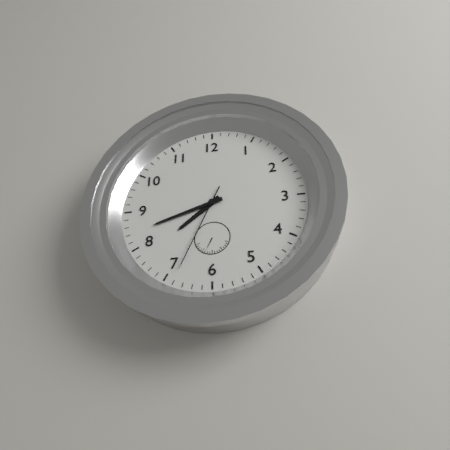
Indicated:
7 h 42 min 34 s
